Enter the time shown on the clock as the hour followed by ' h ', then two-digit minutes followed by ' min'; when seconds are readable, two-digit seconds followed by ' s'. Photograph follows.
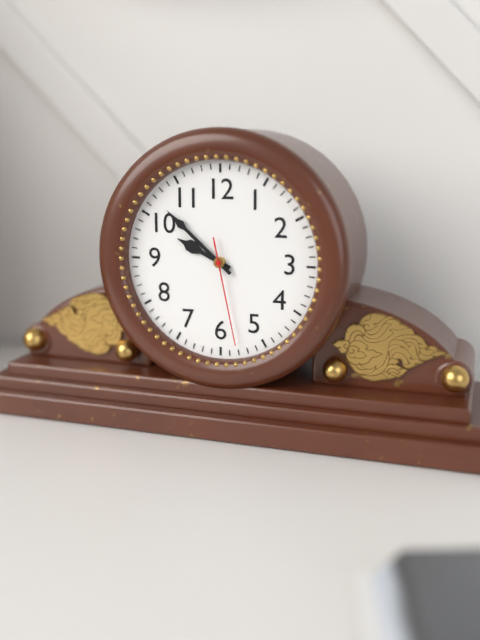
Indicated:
9 h 52 min 28 s
